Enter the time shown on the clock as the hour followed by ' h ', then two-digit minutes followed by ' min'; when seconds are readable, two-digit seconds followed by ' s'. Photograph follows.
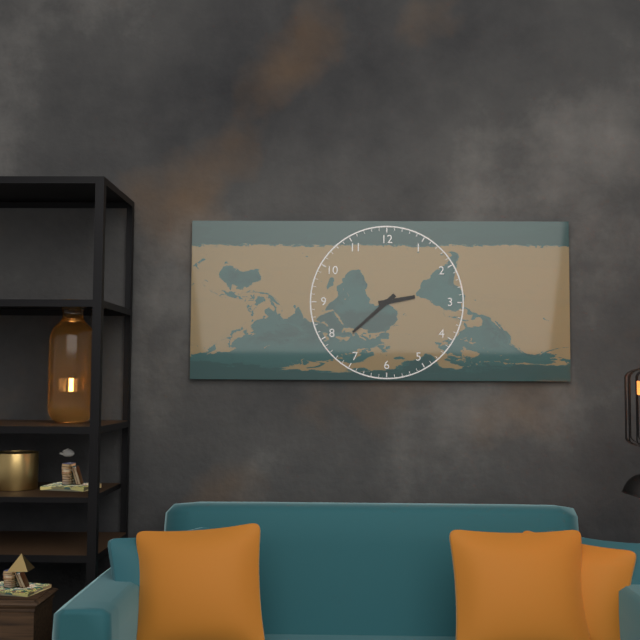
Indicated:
2 h 38 min
